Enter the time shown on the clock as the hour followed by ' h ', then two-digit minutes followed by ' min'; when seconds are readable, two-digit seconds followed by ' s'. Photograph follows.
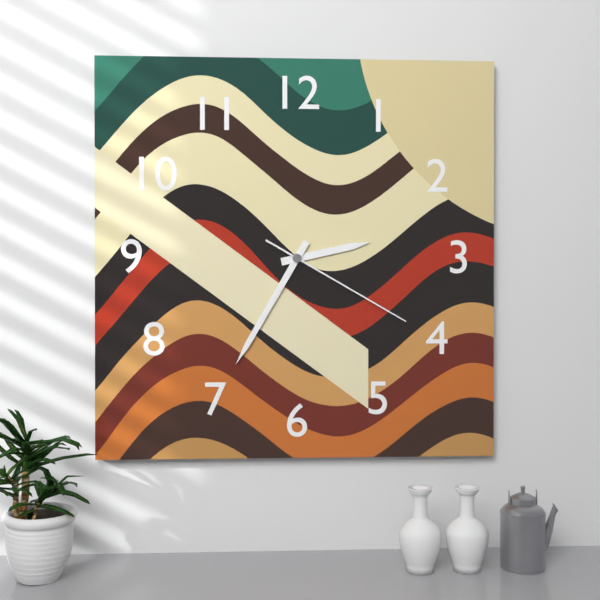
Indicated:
2 h 35 min 20 s
